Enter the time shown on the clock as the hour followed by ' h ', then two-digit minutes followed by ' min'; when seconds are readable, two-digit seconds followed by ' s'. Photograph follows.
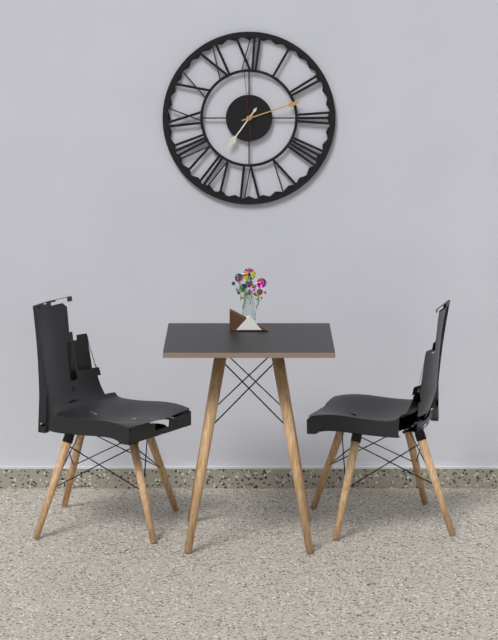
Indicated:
7 h 12 min 59 s
